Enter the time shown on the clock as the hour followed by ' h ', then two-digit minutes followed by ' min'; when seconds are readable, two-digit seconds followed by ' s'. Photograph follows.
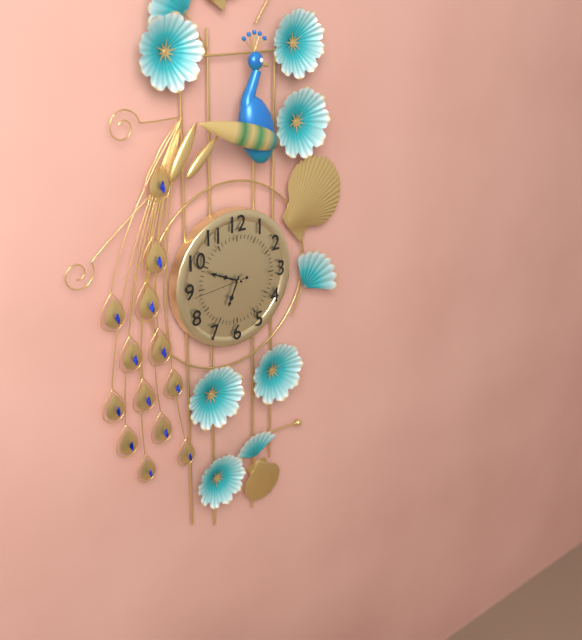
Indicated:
6 h 49 min 44 s
